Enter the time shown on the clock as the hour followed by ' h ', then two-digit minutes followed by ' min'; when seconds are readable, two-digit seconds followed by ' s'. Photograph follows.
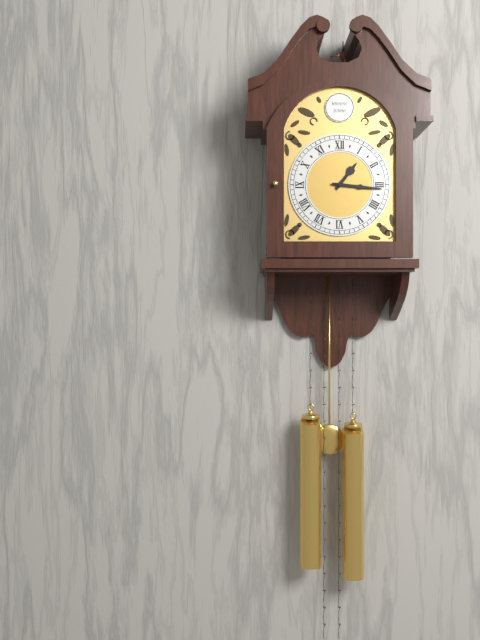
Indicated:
1 h 16 min
